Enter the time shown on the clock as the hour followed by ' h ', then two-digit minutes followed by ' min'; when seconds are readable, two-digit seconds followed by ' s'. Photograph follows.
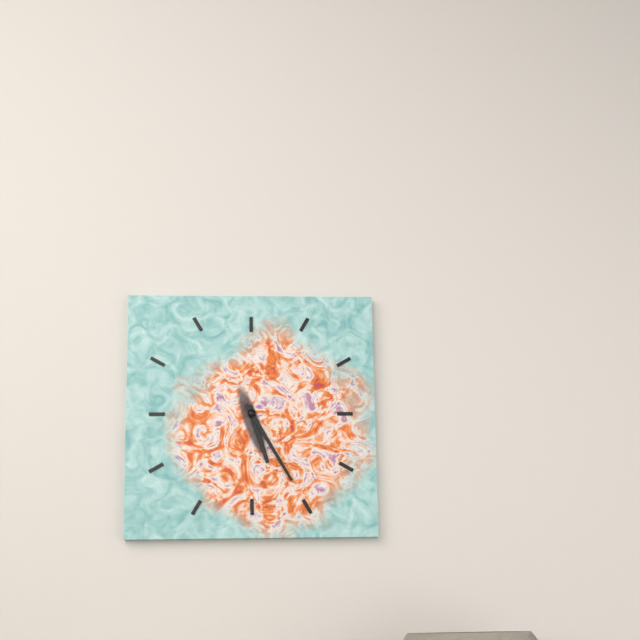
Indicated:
5 h 25 min
